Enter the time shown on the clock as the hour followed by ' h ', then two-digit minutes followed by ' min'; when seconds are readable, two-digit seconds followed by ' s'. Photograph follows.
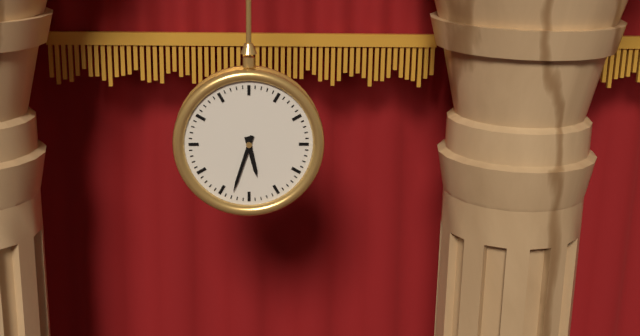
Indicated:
5 h 33 min
